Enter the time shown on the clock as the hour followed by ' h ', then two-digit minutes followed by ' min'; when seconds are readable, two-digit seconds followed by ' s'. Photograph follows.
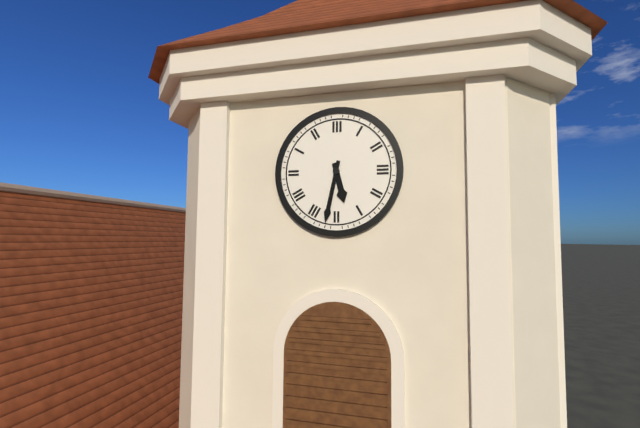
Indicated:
5 h 32 min
